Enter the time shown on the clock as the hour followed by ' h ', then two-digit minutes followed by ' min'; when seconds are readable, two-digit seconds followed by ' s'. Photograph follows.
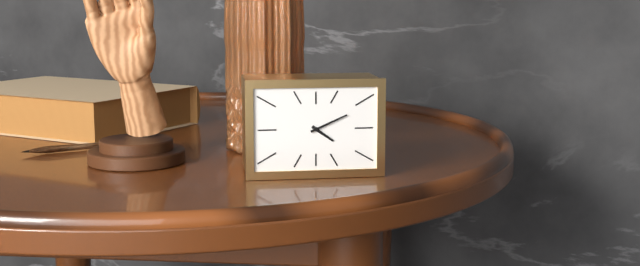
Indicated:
4 h 11 min
